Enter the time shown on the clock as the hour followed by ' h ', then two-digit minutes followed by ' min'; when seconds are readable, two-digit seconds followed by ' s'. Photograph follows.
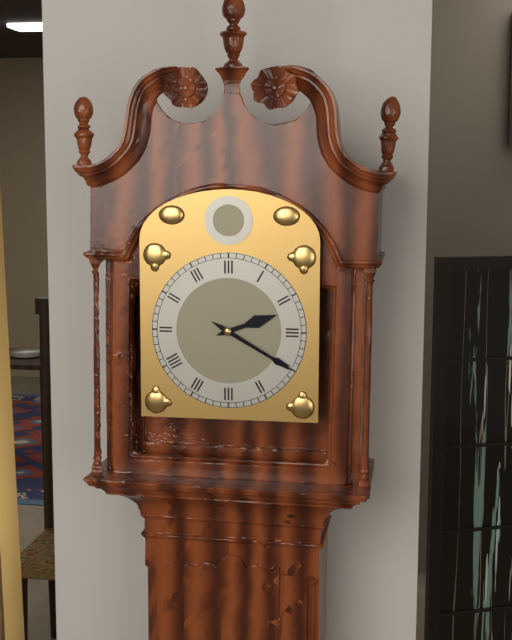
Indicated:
2 h 20 min
